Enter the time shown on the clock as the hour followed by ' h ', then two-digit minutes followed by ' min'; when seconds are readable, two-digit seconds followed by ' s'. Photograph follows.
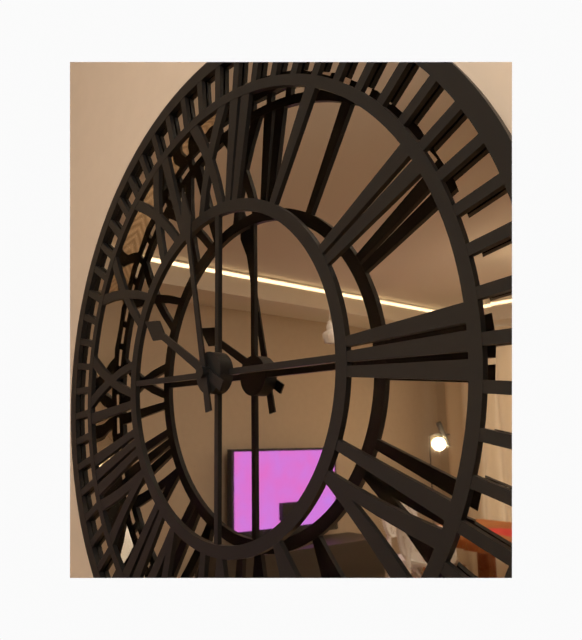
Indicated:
9 h 58 min
